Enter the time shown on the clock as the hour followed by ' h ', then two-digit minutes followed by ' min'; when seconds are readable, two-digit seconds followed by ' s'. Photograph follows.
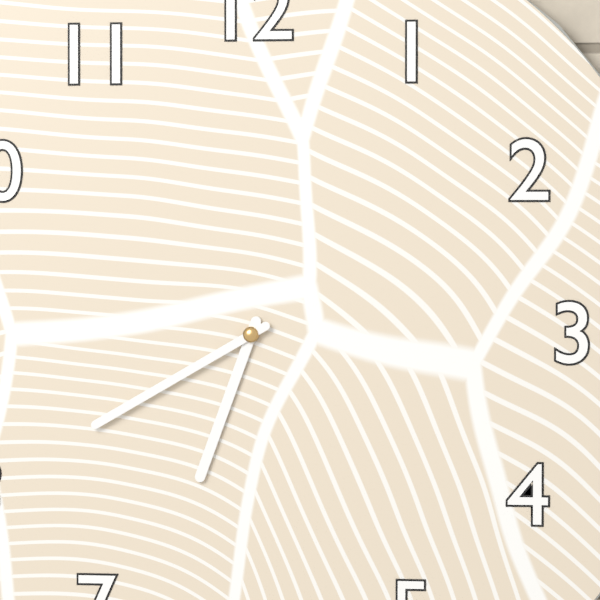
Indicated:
6 h 40 min
